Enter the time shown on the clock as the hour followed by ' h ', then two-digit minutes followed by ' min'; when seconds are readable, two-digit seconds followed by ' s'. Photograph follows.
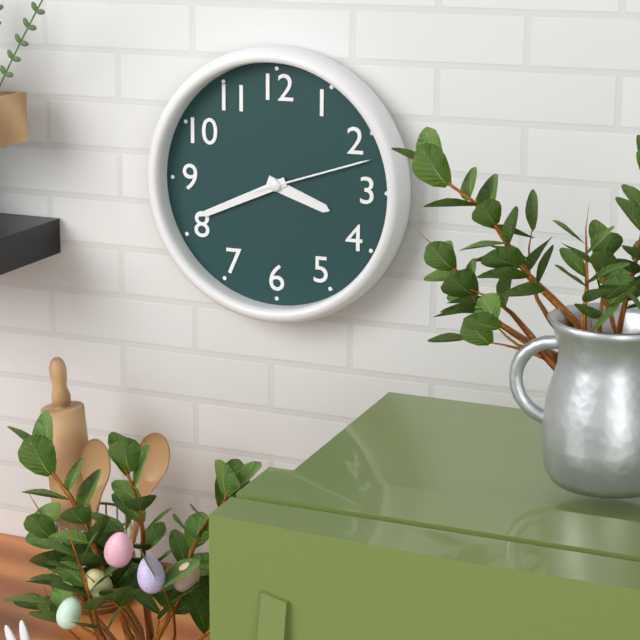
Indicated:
3 h 41 min 12 s
